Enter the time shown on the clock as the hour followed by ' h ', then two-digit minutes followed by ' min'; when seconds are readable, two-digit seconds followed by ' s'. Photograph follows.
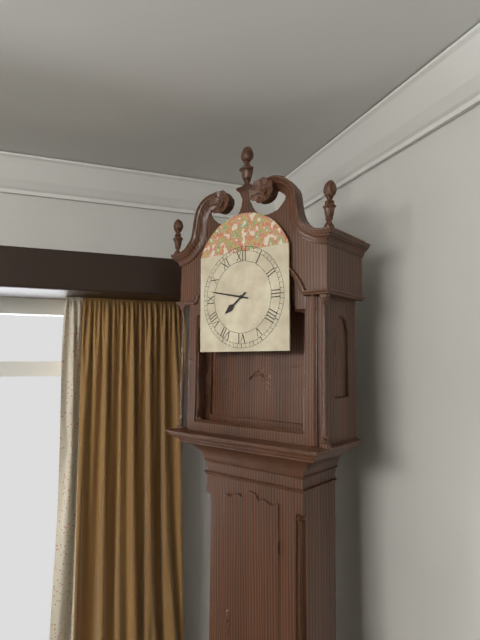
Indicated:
7 h 47 min
